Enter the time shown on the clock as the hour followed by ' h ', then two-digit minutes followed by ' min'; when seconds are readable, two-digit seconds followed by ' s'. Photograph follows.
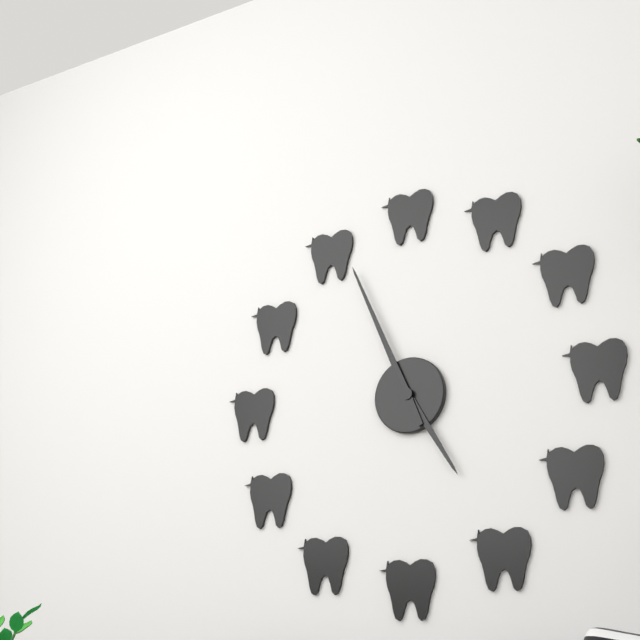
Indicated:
4 h 56 min
